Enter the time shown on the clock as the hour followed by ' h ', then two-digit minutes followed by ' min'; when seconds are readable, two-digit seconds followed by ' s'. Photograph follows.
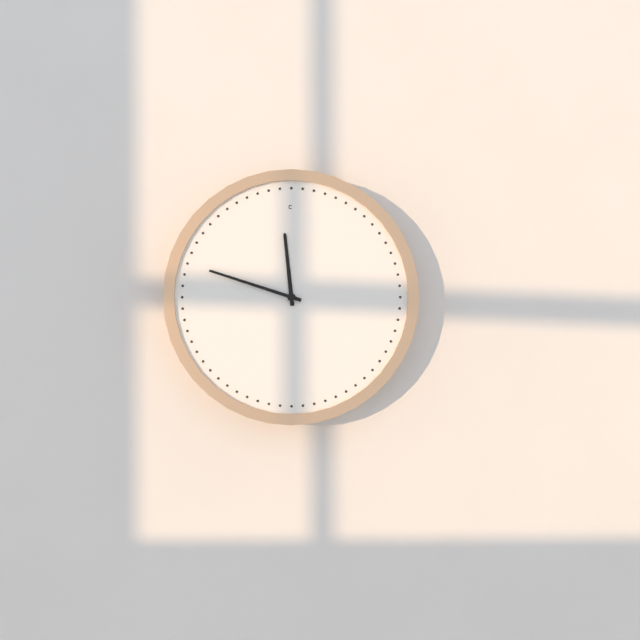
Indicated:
11 h 48 min
